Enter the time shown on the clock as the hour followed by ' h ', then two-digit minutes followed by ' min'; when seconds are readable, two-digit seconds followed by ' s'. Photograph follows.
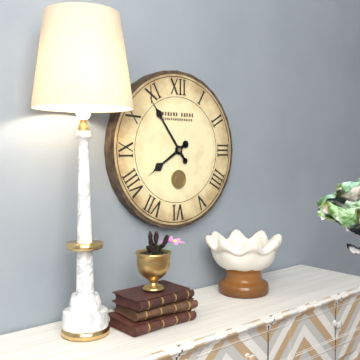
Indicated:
7 h 54 min
